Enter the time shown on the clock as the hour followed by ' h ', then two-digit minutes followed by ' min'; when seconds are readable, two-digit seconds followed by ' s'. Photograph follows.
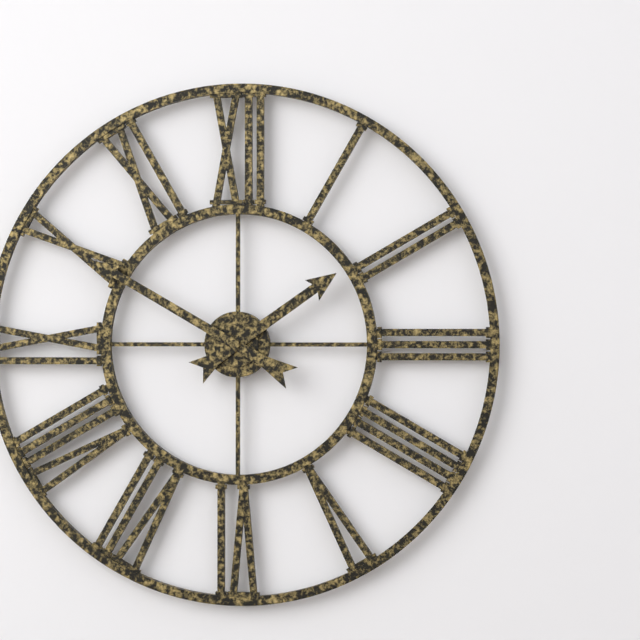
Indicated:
1 h 50 min
